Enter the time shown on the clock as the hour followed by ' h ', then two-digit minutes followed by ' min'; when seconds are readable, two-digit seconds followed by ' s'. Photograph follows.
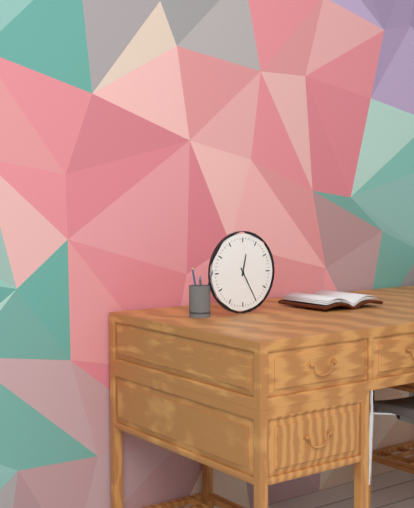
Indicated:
12 h 25 min
